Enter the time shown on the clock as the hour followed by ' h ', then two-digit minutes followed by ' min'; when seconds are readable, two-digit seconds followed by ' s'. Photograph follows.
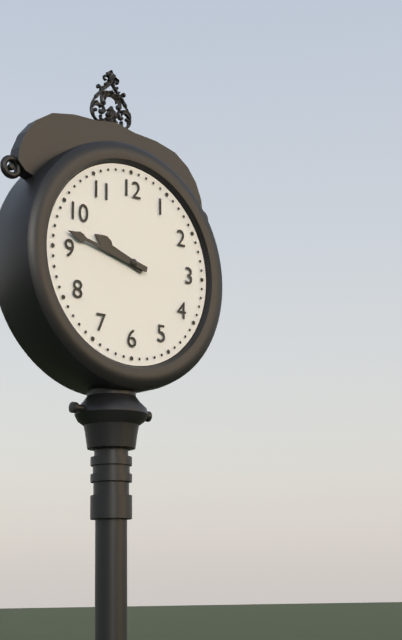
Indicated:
9 h 47 min
